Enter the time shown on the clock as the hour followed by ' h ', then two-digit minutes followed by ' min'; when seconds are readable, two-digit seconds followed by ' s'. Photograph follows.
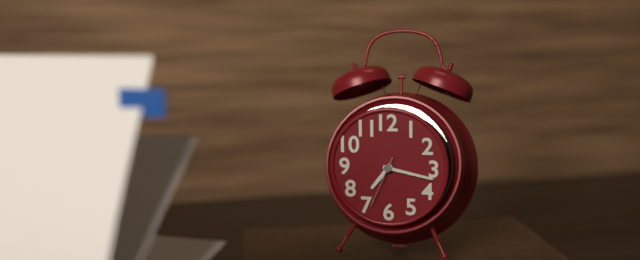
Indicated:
7 h 17 min 34 s
